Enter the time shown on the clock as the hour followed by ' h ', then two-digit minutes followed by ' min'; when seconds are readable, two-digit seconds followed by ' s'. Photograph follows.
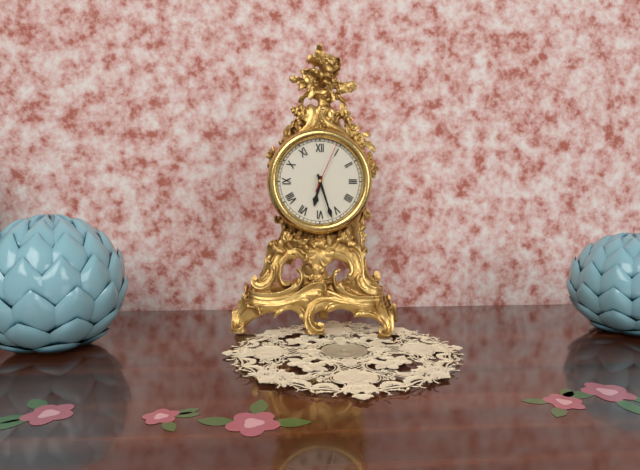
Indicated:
6 h 27 min 04 s
